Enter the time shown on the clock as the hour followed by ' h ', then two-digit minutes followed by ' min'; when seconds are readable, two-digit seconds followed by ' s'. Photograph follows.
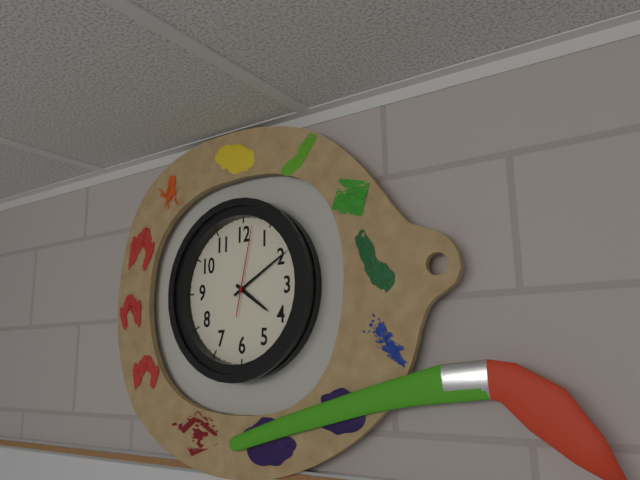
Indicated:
4 h 10 min 02 s
